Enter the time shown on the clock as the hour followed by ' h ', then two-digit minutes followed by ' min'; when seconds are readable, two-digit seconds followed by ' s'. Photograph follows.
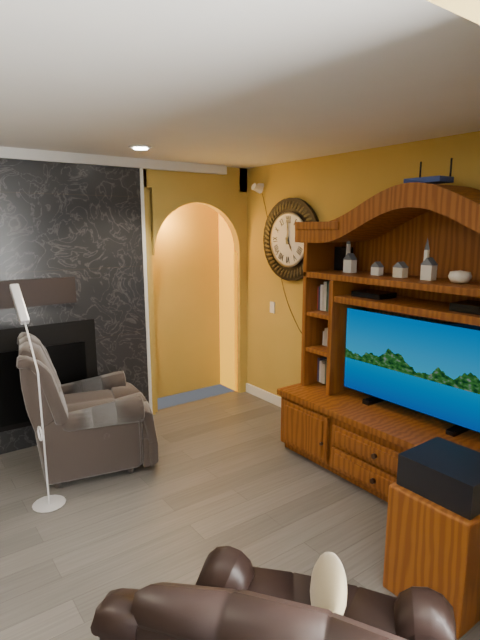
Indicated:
5 h 00 min
